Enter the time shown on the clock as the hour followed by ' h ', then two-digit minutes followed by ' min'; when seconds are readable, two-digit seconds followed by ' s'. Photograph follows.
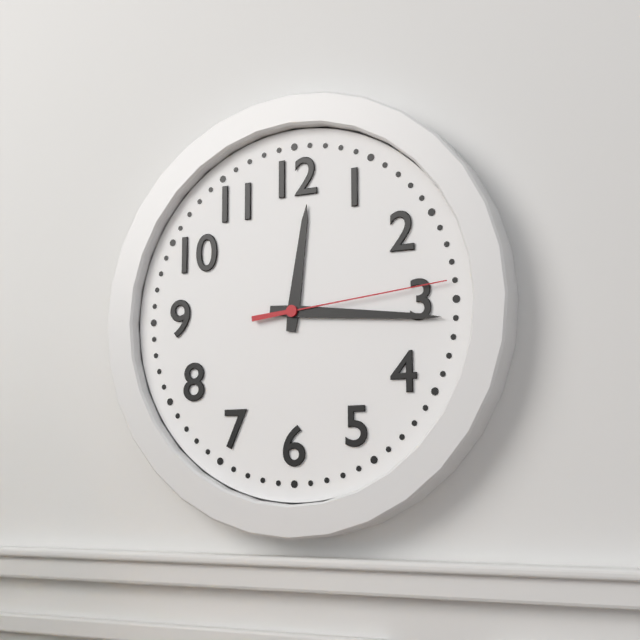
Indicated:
12 h 16 min 14 s
